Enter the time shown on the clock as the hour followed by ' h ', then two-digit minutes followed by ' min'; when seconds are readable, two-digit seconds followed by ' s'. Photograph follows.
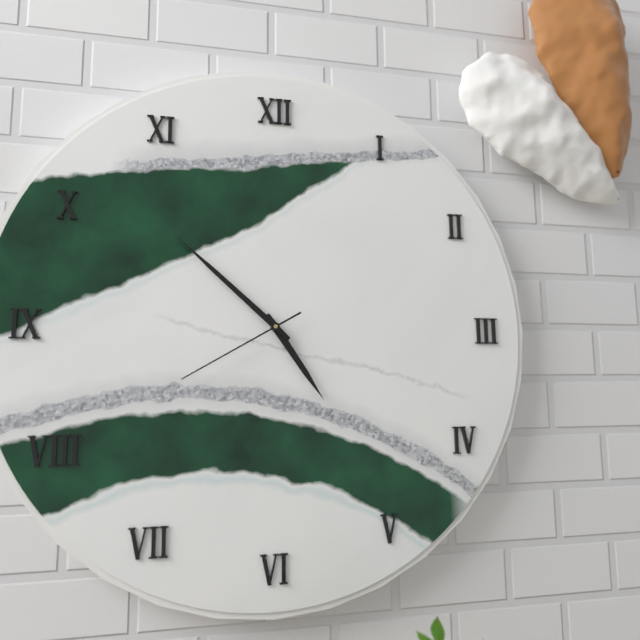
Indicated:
4 h 52 min 40 s
